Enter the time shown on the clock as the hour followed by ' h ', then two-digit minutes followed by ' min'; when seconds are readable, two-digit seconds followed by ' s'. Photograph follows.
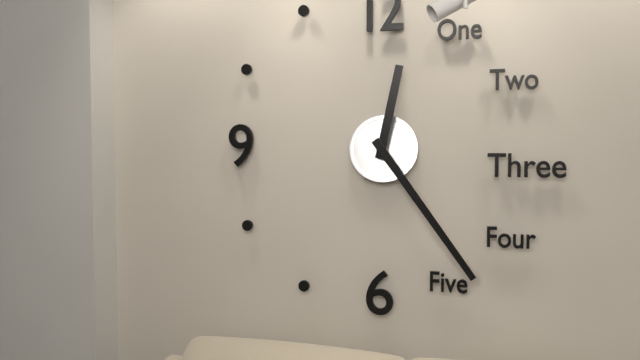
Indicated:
12 h 24 min
